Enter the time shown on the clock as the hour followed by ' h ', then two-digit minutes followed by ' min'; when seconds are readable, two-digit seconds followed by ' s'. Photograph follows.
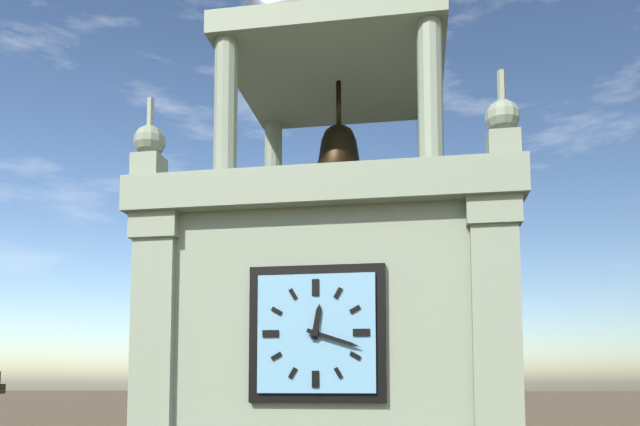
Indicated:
12 h 18 min
